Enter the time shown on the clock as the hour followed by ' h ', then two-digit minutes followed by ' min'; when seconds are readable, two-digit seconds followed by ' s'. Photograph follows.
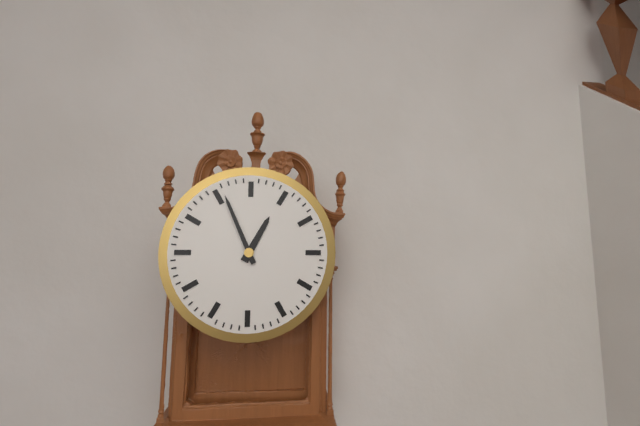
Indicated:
12 h 56 min
